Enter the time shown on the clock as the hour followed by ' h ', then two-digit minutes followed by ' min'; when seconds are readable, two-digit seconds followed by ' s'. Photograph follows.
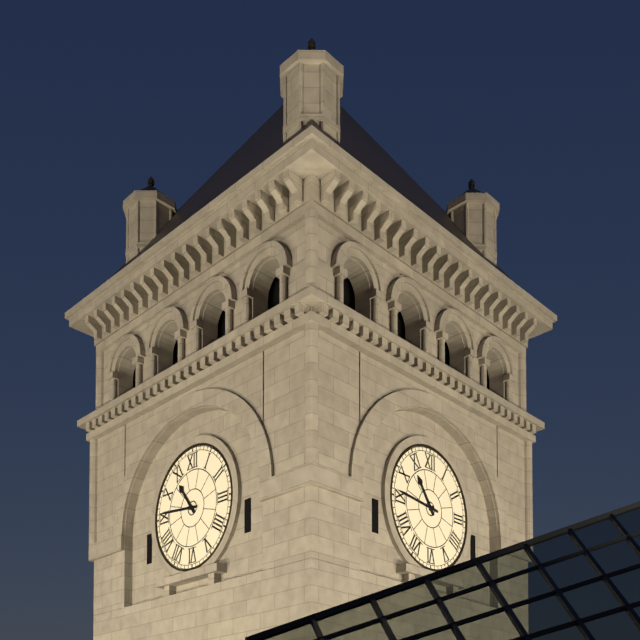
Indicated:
10 h 46 min
